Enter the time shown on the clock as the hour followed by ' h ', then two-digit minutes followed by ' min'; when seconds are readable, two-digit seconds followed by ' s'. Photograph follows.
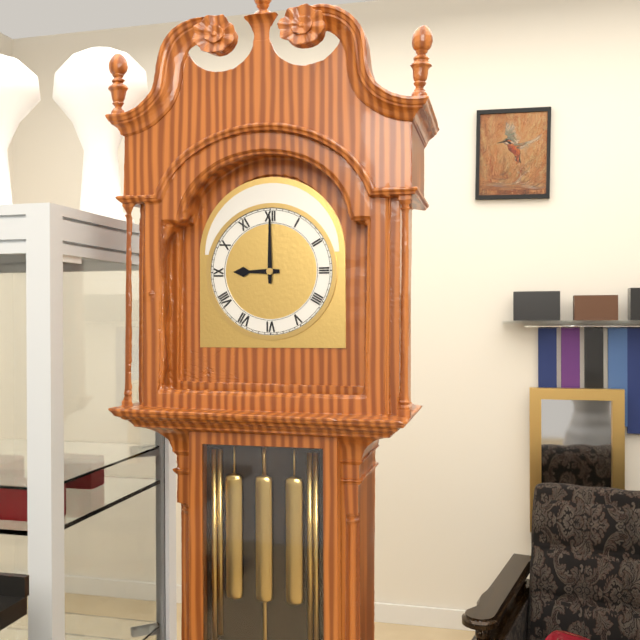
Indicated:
9 h 00 min
